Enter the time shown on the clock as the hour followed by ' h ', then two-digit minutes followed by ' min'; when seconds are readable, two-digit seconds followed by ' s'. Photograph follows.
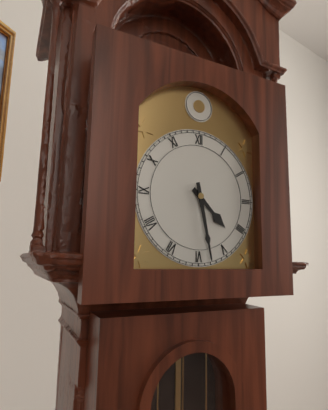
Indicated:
4 h 28 min
